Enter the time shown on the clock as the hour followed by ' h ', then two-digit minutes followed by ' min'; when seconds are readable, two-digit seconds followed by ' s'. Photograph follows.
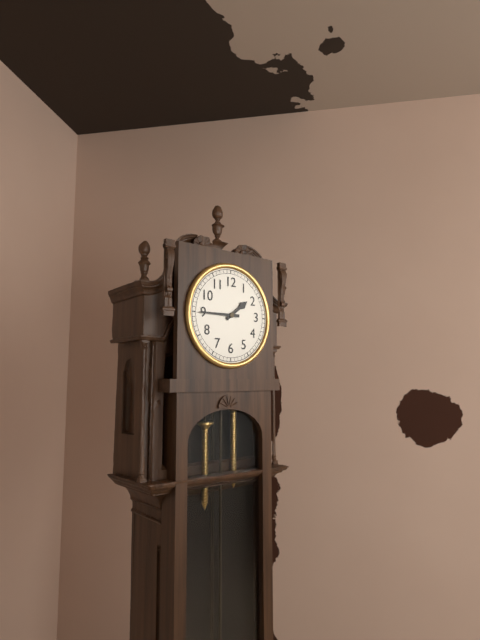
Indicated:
1 h 45 min
